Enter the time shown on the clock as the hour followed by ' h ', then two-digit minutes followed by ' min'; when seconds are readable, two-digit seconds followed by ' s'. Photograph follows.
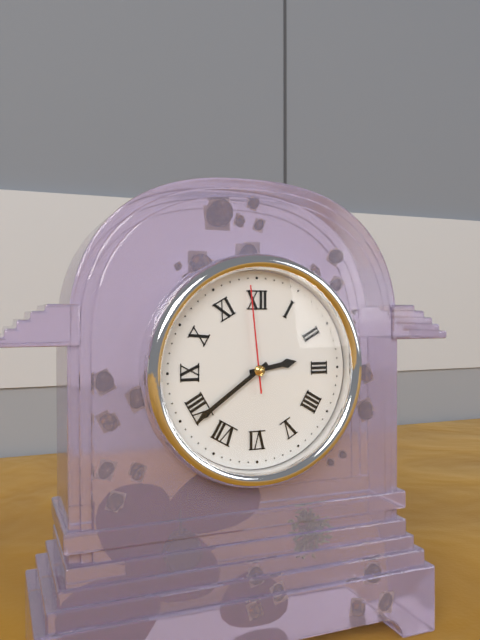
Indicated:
2 h 39 min 59 s
